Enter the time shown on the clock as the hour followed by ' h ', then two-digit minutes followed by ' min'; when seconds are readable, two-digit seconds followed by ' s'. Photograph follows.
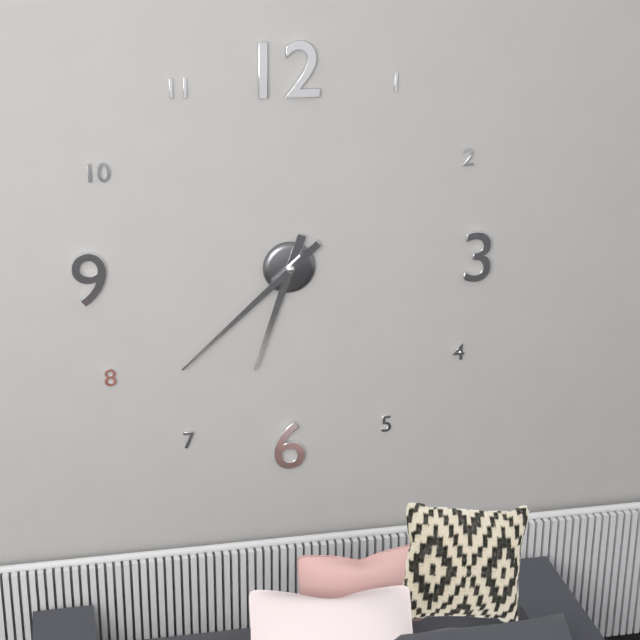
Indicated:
6 h 38 min
